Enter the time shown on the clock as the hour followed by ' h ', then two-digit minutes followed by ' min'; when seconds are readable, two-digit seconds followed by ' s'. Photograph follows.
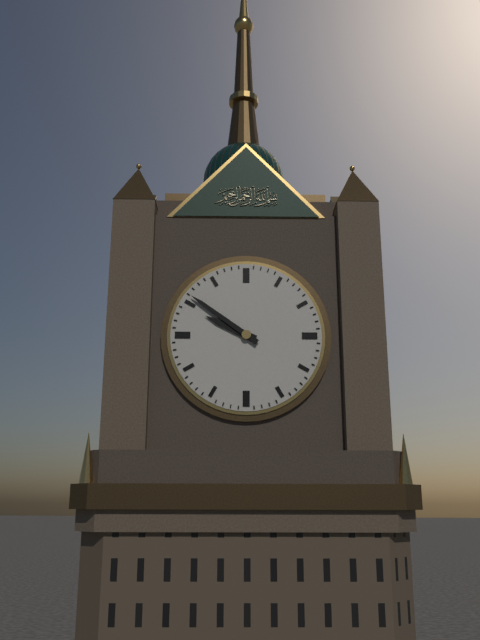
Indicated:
9 h 51 min
